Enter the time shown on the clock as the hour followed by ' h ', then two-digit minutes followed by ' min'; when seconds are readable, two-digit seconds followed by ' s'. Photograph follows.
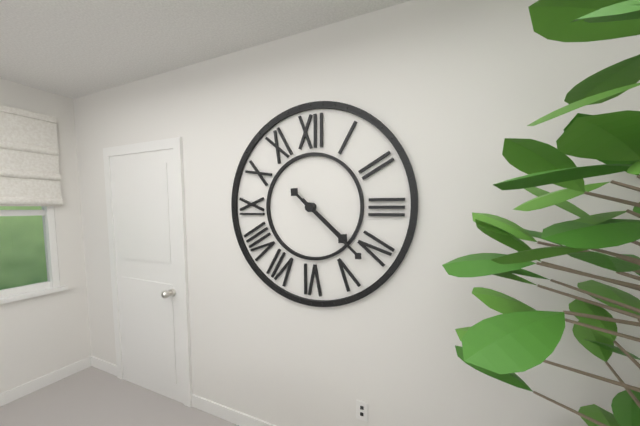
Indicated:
4 h 22 min
